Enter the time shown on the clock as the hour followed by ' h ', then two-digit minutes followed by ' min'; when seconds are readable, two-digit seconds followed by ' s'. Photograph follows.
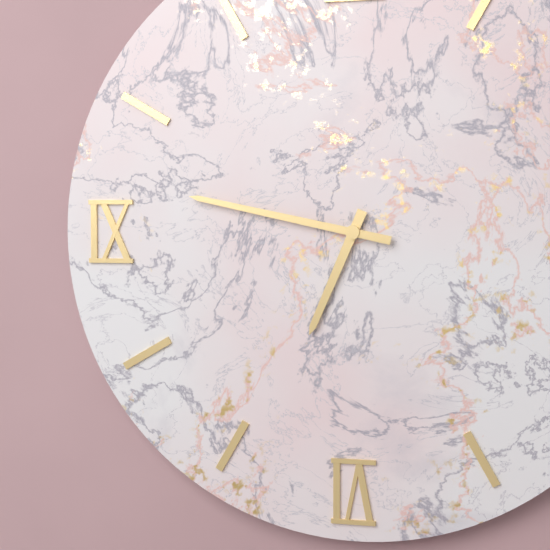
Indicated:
6 h 47 min
